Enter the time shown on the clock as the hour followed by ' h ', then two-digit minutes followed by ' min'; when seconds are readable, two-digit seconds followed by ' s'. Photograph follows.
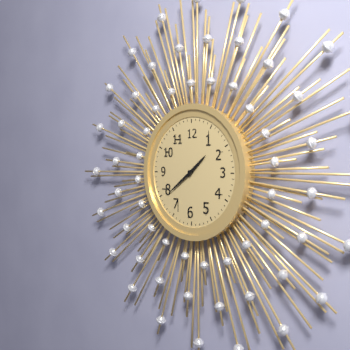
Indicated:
1 h 39 min
